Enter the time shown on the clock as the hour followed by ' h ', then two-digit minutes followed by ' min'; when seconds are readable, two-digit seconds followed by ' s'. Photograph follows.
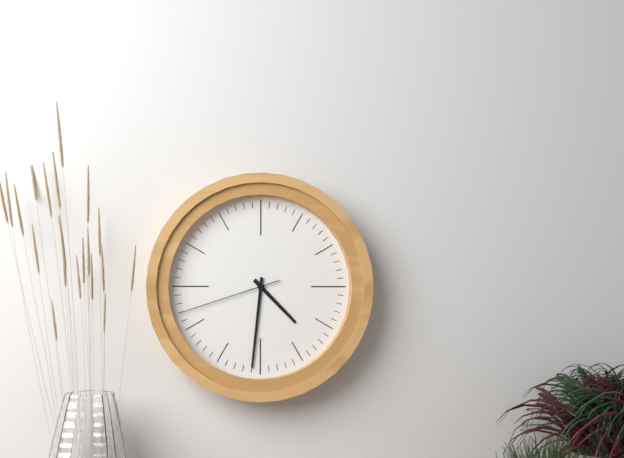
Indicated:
4 h 31 min 42 s
